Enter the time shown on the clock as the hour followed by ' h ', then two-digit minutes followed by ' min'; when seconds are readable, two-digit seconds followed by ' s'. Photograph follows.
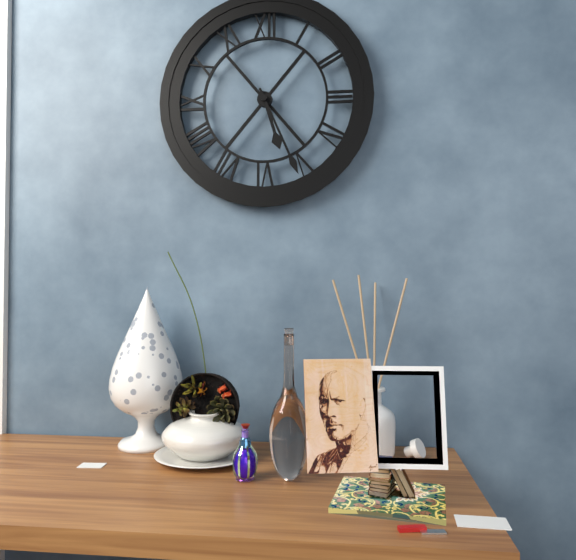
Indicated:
5 h 26 min
